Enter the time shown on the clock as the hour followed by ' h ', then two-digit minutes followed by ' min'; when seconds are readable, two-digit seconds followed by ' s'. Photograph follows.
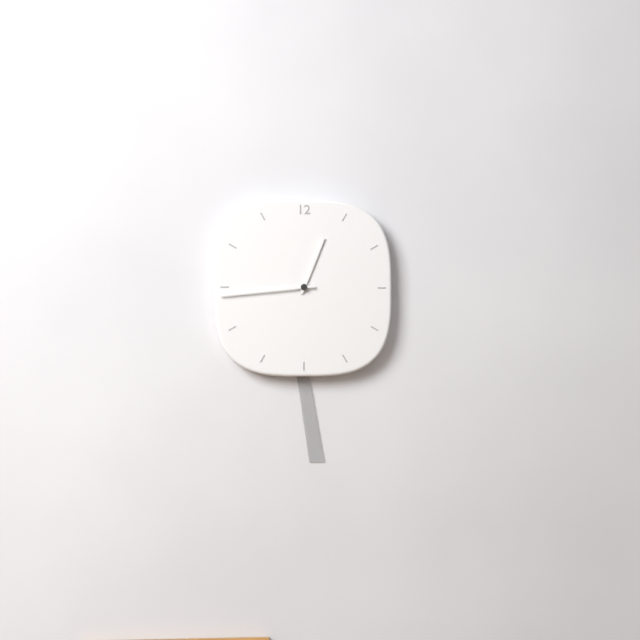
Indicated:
12 h 44 min
